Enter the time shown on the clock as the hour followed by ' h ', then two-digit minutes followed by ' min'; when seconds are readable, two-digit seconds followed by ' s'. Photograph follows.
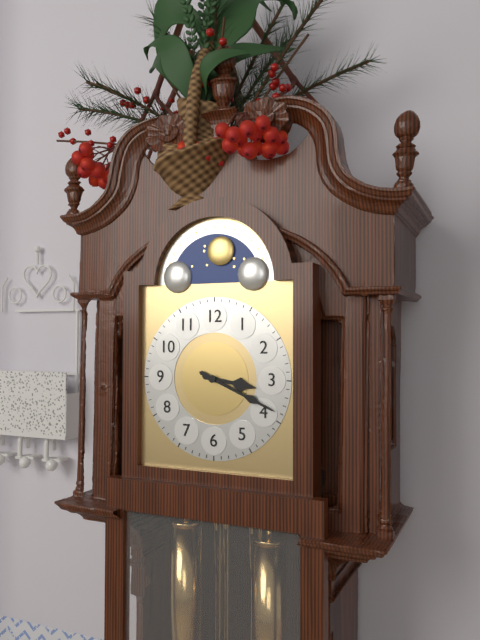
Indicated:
3 h 19 min
